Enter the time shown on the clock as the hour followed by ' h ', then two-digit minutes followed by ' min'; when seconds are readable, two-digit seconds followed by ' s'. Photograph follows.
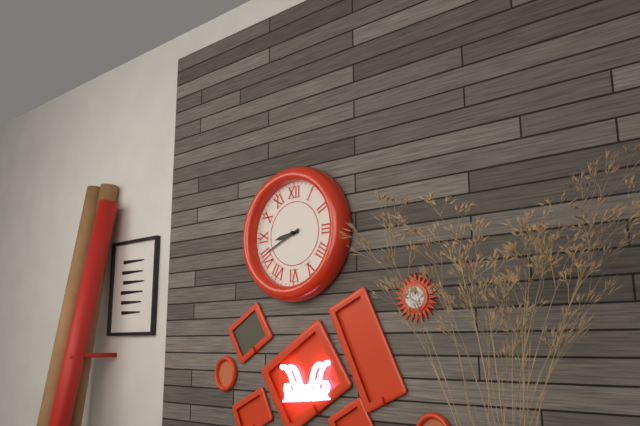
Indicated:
8 h 41 min
